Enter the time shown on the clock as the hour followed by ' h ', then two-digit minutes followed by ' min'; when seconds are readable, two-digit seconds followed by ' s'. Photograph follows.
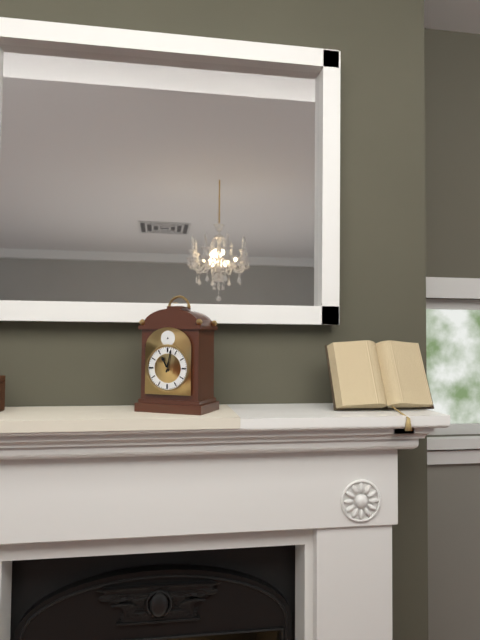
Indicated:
11 h 02 min
